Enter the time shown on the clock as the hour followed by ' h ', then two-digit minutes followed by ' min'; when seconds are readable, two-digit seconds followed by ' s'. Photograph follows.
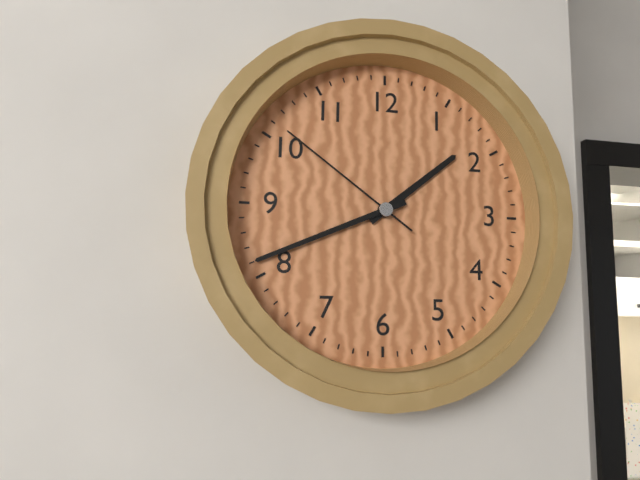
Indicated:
1 h 41 min 51 s
